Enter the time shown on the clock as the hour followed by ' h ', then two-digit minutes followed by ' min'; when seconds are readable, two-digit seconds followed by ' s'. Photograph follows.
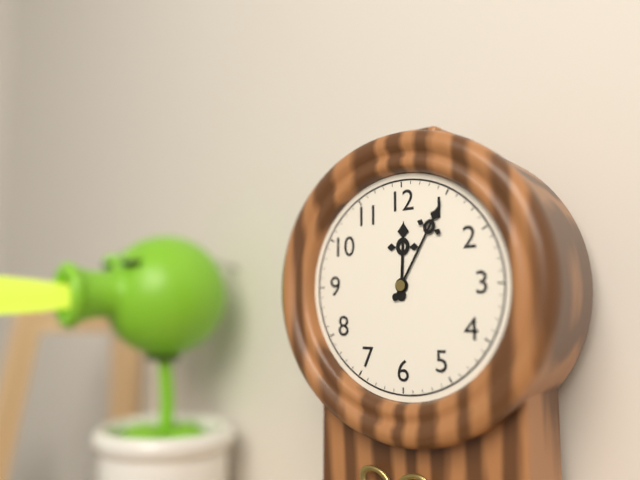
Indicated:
12 h 05 min
